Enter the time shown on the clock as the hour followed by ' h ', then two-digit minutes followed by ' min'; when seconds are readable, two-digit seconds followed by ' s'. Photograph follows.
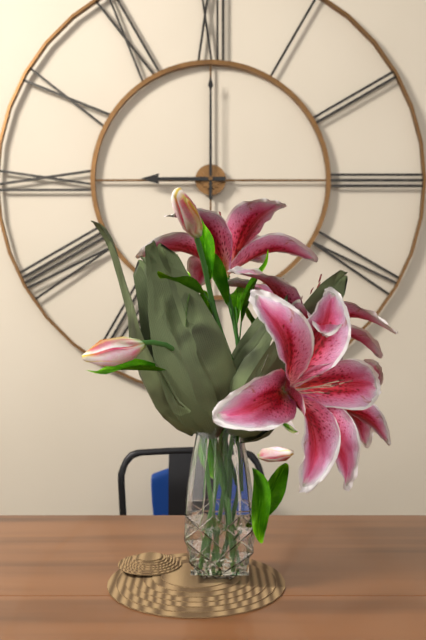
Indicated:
9 h 00 min
